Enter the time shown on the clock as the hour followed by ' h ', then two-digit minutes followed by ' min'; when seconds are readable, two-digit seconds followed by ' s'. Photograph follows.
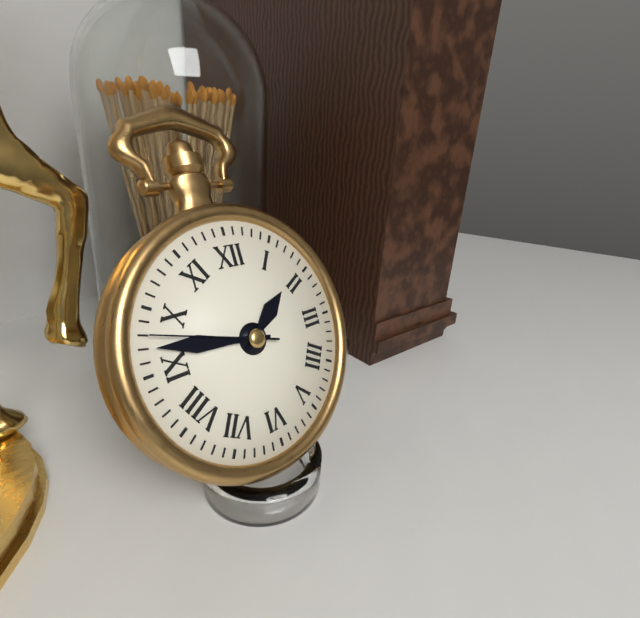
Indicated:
1 h 47 min 48 s
